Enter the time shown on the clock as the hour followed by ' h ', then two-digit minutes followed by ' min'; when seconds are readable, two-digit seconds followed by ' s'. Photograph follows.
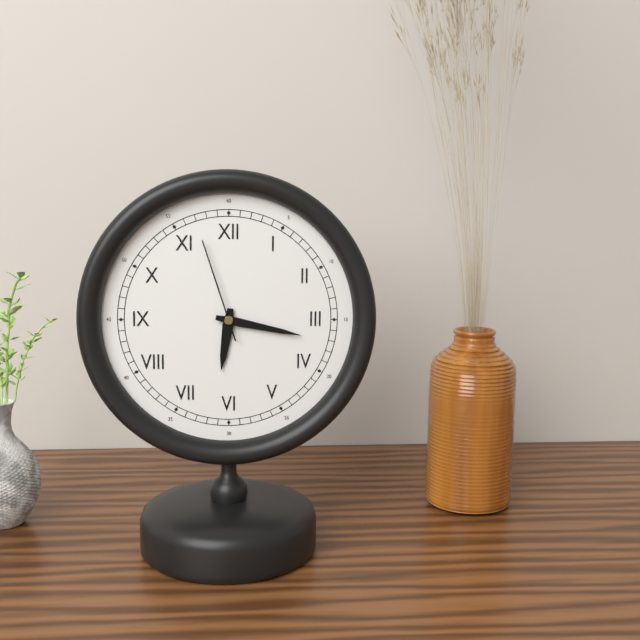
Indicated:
6 h 17 min 57 s
